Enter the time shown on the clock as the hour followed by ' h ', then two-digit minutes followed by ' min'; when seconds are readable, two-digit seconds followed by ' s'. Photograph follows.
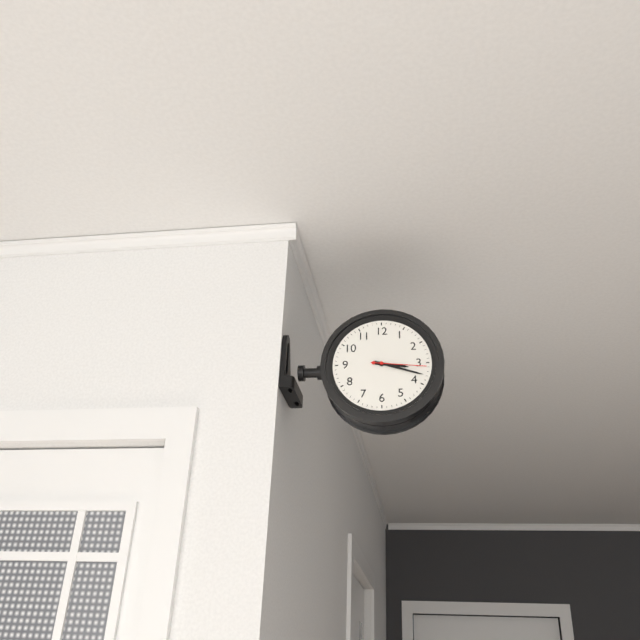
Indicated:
3 h 18 min 16 s
